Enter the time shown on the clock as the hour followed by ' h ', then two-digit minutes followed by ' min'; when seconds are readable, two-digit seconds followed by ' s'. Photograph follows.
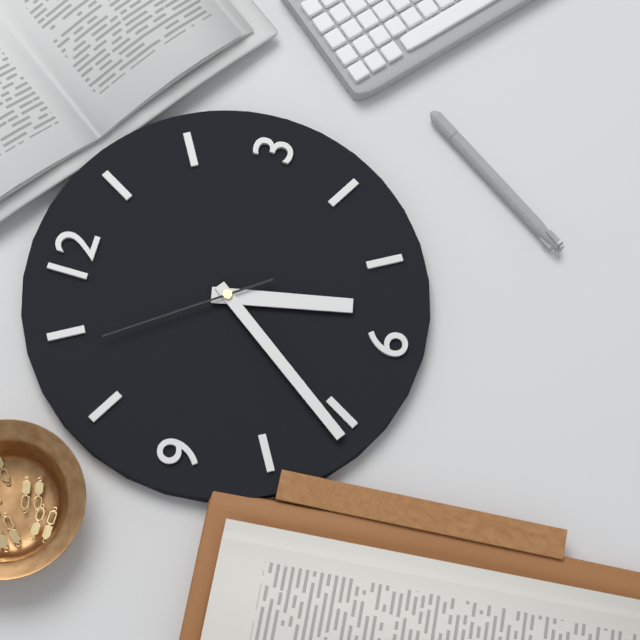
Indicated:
5 h 36 min 54 s
